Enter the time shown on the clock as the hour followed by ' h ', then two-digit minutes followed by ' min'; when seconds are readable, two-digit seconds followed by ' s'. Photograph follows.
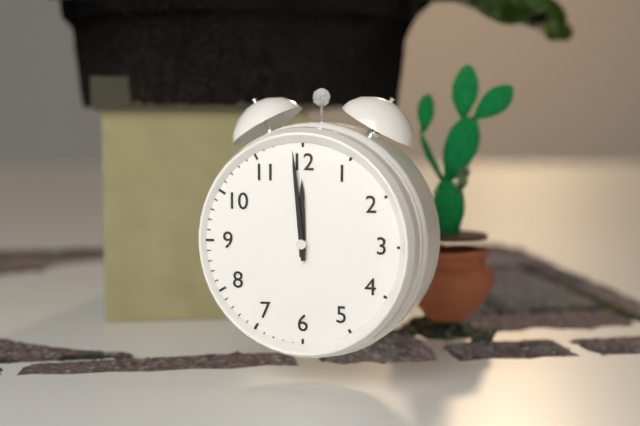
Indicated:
11 h 59 min
